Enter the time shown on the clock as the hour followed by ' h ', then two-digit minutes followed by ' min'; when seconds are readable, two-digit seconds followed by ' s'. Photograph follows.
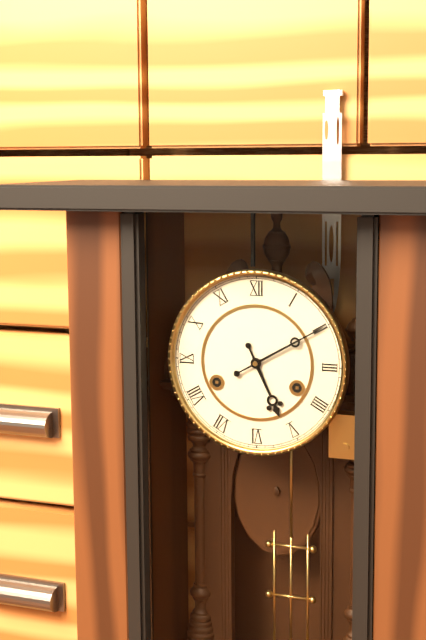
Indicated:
5 h 10 min
